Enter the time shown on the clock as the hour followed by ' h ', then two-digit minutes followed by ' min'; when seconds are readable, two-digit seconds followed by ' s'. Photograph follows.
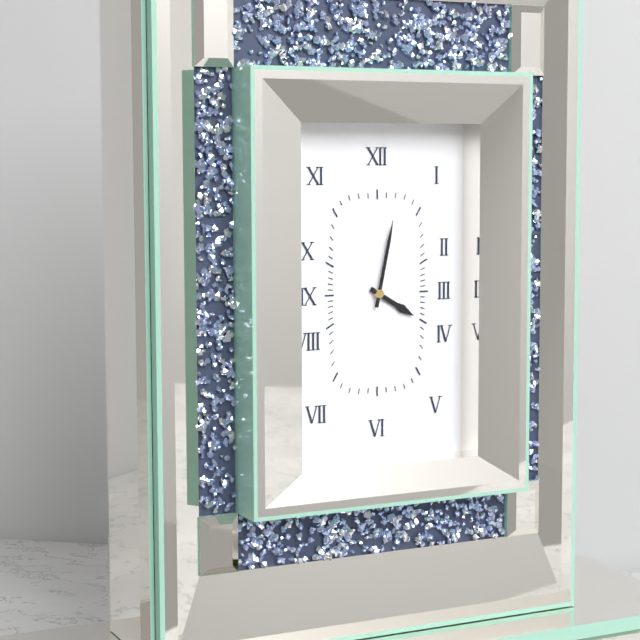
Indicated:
4 h 02 min
